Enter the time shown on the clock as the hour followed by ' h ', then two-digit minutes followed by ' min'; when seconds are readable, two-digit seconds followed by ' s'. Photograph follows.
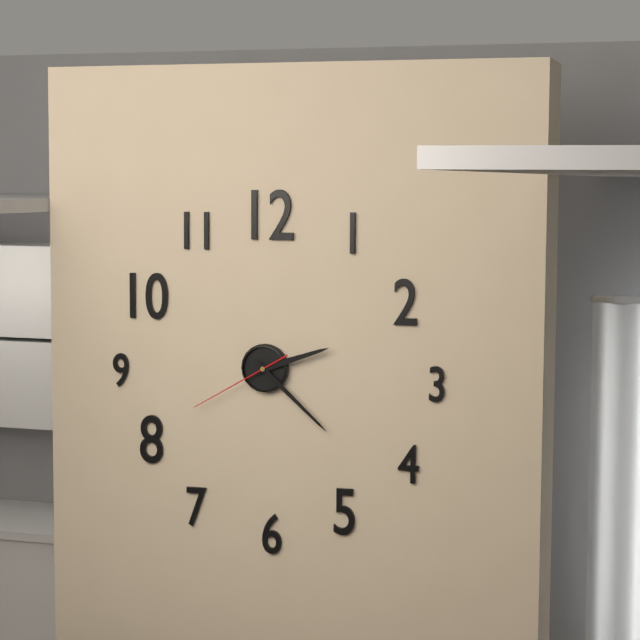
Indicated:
2 h 22 min 40 s
